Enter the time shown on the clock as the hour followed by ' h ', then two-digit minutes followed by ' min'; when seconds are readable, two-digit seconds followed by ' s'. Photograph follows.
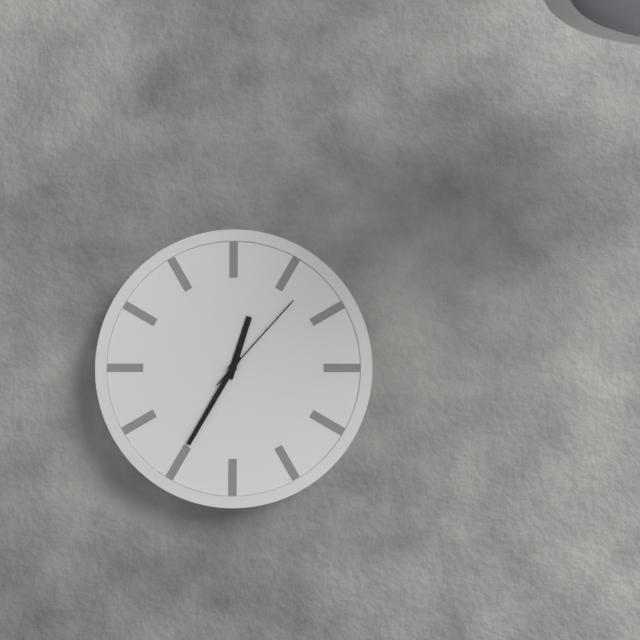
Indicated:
12 h 35 min 07 s
